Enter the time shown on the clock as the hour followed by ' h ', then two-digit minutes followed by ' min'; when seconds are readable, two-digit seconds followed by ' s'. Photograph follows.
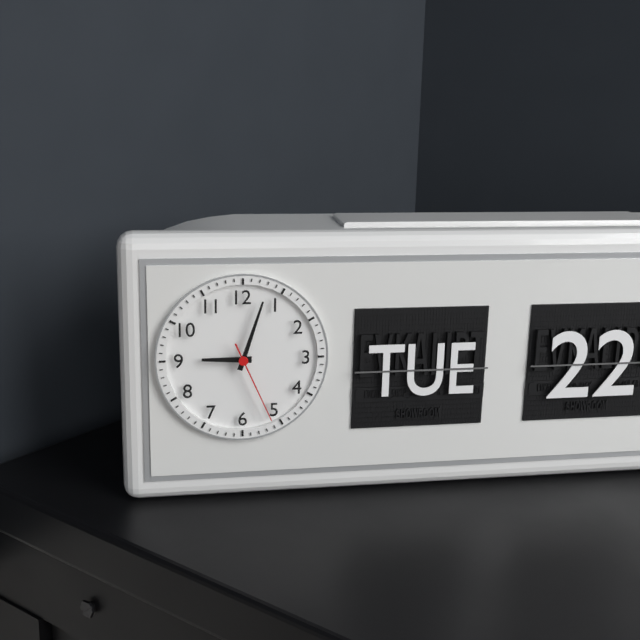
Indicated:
9 h 03 min 26 s
